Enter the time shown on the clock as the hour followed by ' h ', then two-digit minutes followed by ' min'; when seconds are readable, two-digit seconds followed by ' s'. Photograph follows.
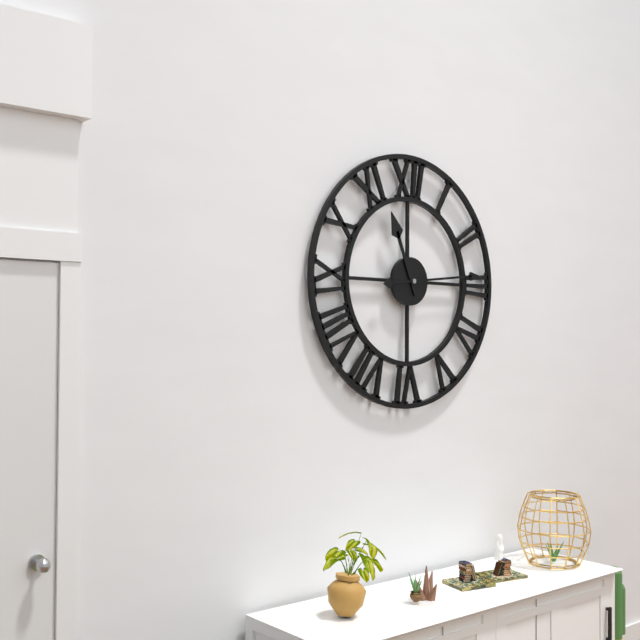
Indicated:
11 h 14 min
